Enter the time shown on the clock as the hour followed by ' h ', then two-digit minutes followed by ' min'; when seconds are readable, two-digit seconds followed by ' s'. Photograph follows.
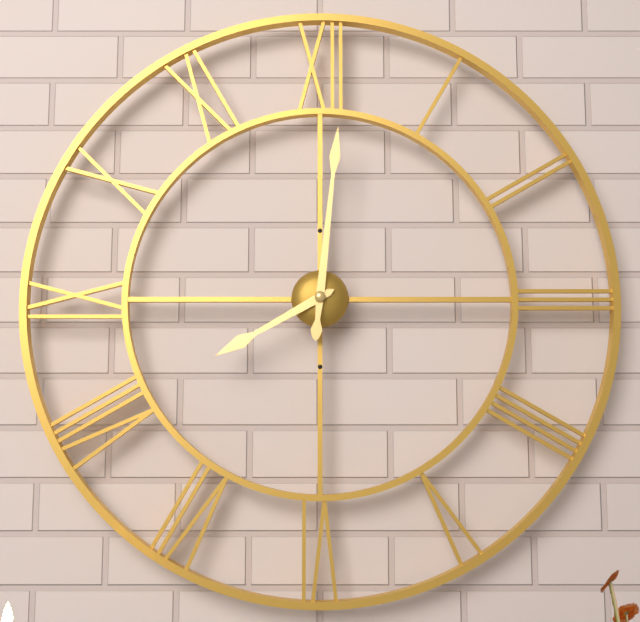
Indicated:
8 h 01 min
